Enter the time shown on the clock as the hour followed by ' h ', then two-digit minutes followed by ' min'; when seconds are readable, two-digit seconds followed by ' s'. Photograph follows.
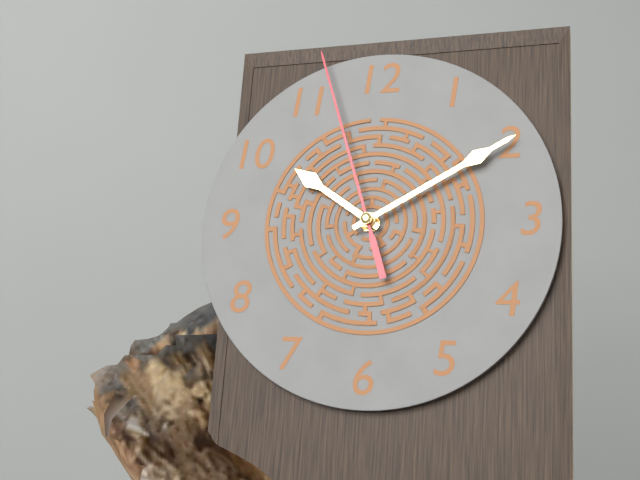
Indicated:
10 h 10 min 57 s
